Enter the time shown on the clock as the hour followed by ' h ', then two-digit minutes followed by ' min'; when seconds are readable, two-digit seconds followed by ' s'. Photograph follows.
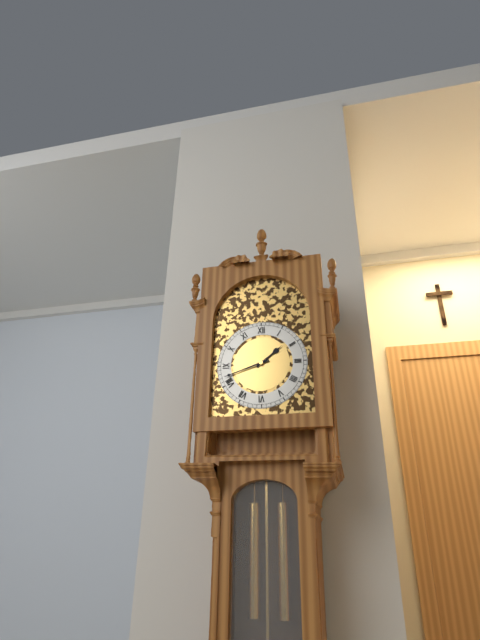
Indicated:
1 h 42 min
